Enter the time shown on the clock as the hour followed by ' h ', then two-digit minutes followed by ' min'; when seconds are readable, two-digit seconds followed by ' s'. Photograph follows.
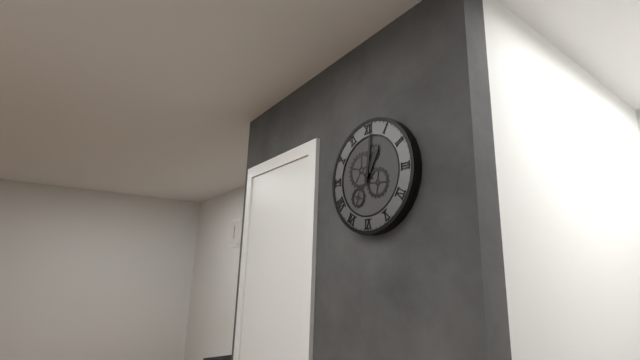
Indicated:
1 h 01 min
